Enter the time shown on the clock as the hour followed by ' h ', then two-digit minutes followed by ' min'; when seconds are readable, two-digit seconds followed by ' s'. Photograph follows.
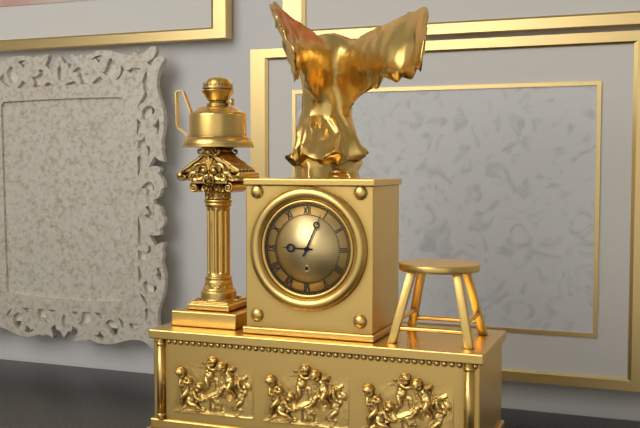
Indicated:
9 h 04 min
